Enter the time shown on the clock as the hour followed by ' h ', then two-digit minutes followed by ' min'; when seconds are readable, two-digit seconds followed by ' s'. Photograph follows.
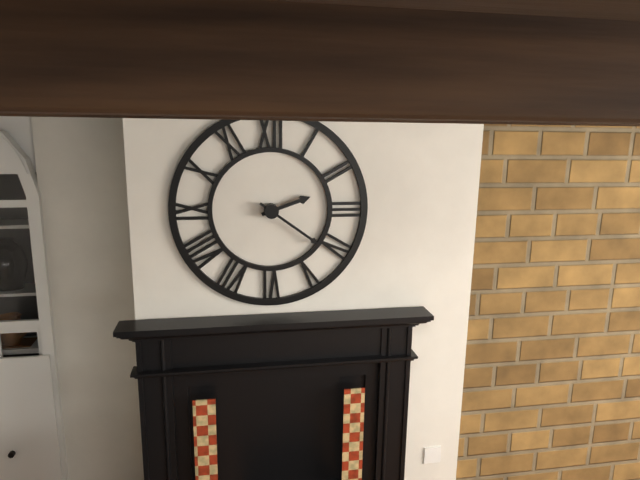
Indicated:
2 h 21 min
